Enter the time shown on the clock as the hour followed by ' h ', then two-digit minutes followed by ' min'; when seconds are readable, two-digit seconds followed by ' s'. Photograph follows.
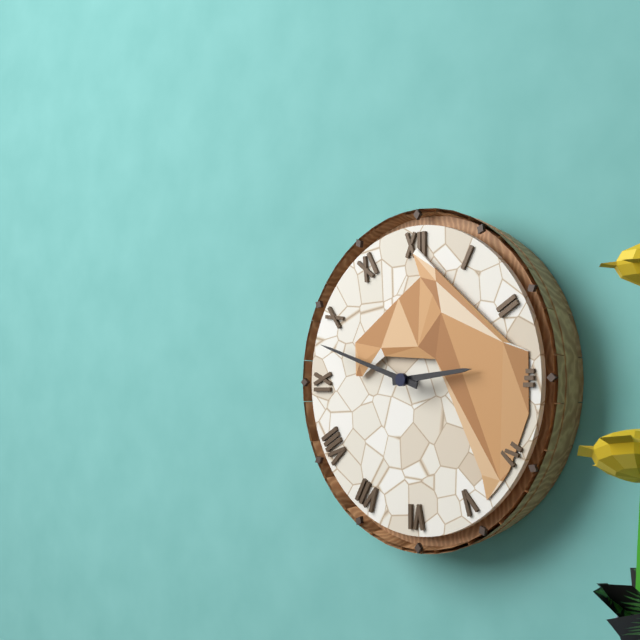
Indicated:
2 h 48 min
